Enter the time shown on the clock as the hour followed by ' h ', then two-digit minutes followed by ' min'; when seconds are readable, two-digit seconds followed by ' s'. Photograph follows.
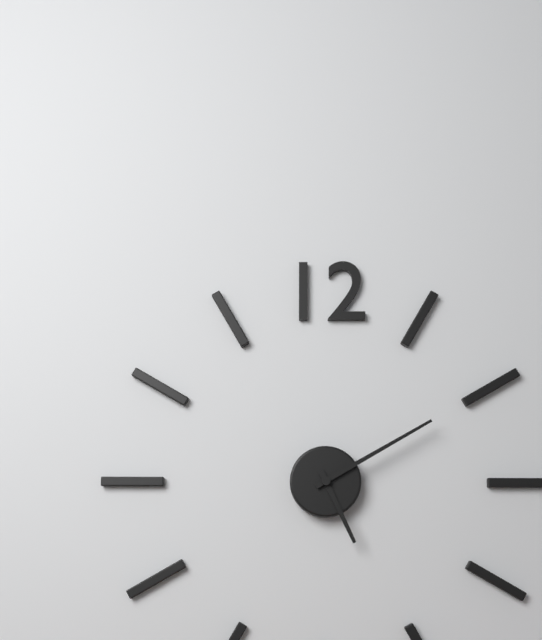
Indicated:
5 h 10 min
